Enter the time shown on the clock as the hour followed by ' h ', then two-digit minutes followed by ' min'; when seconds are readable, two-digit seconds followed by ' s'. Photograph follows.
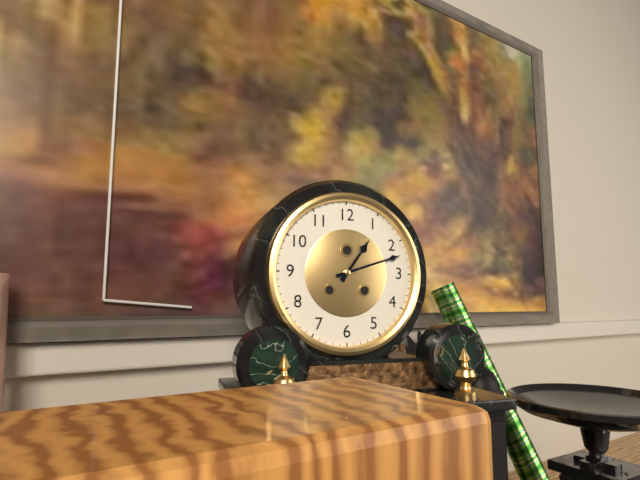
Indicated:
1 h 12 min
